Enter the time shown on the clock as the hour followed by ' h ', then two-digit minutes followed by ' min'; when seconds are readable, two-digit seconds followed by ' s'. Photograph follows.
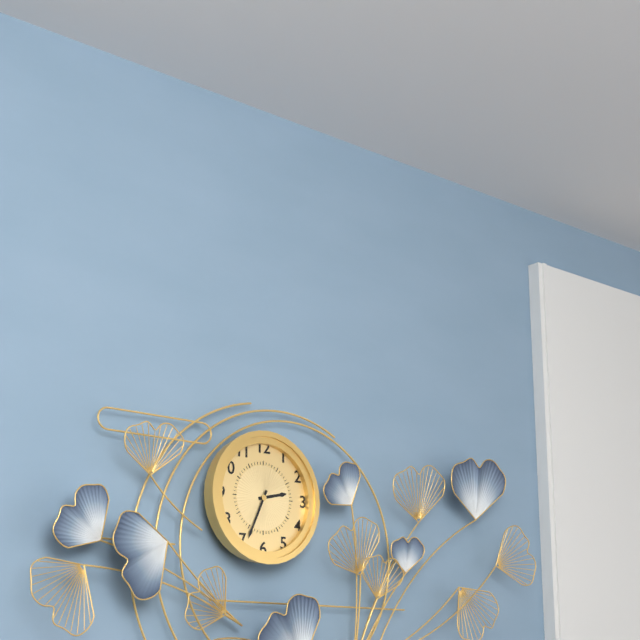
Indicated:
2 h 34 min
